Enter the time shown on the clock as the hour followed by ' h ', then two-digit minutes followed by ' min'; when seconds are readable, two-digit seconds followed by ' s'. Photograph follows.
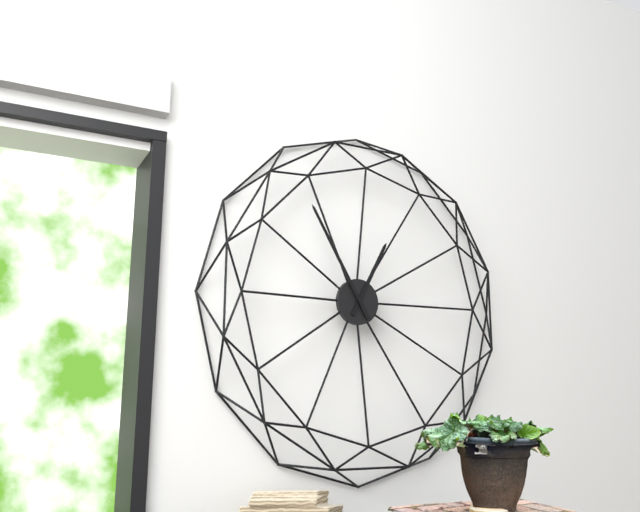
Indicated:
12 h 55 min
